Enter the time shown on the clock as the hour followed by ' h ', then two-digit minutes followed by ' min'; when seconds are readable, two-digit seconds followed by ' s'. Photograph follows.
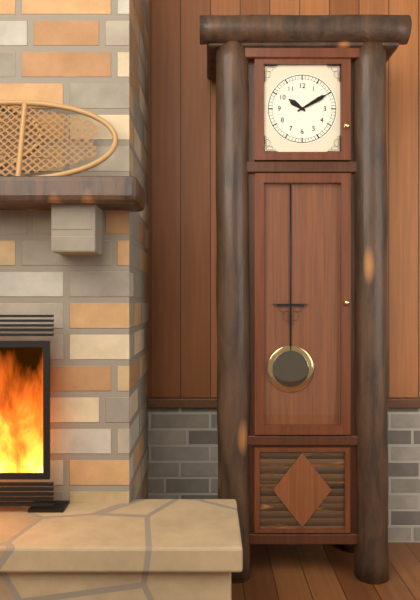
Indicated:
10 h 10 min
